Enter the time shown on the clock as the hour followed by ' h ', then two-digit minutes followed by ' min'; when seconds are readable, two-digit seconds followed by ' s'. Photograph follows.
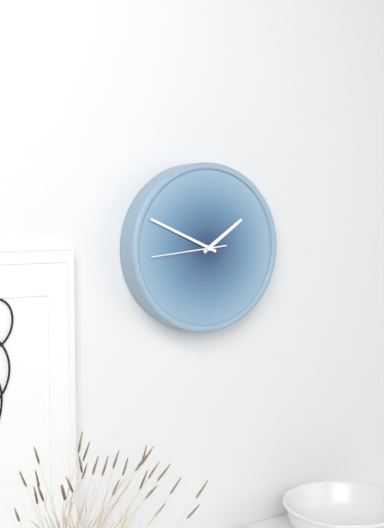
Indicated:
1 h 49 min 44 s
